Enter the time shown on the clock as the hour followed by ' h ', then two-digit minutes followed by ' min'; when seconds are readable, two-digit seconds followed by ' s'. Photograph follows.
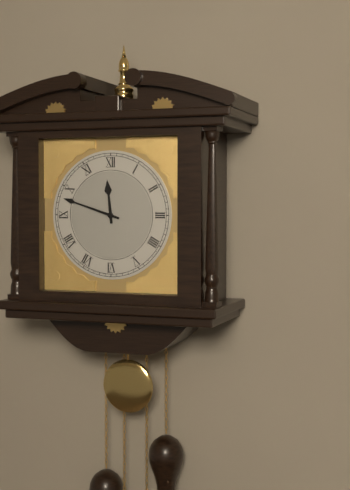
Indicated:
11 h 48 min
